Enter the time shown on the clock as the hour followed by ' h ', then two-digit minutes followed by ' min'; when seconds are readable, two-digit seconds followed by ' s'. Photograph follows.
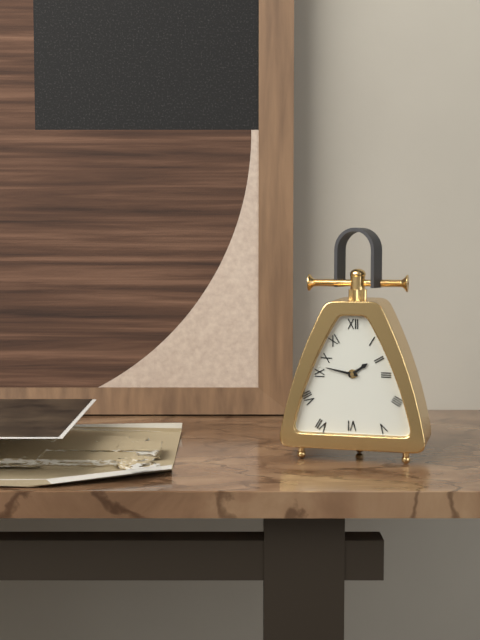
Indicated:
1 h 47 min
